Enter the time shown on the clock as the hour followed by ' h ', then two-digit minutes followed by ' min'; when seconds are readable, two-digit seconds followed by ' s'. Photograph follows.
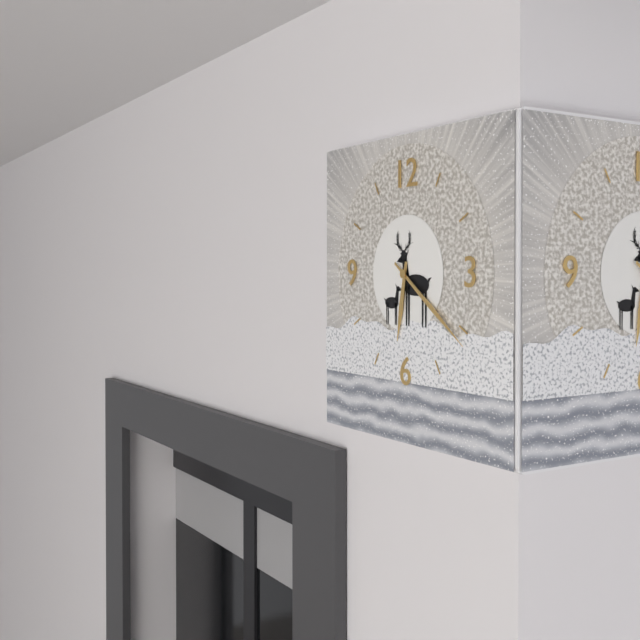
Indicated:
6 h 21 min
